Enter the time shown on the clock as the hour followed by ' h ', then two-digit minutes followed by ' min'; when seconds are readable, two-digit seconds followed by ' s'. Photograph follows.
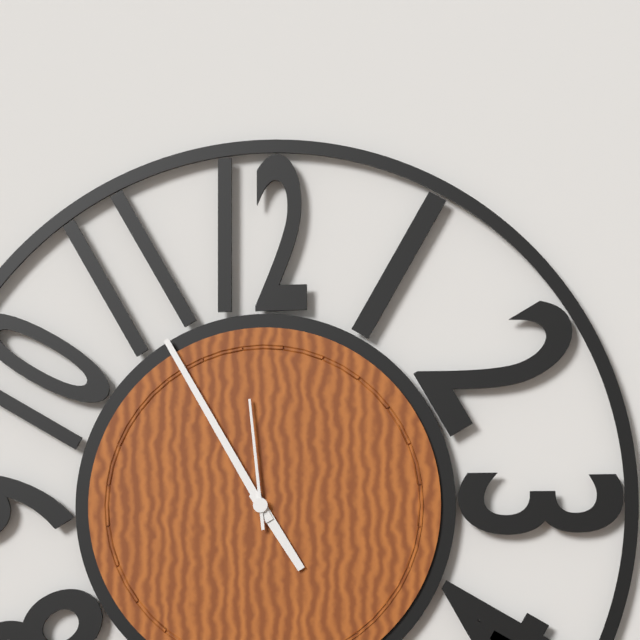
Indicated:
4 h 55 min 59 s
